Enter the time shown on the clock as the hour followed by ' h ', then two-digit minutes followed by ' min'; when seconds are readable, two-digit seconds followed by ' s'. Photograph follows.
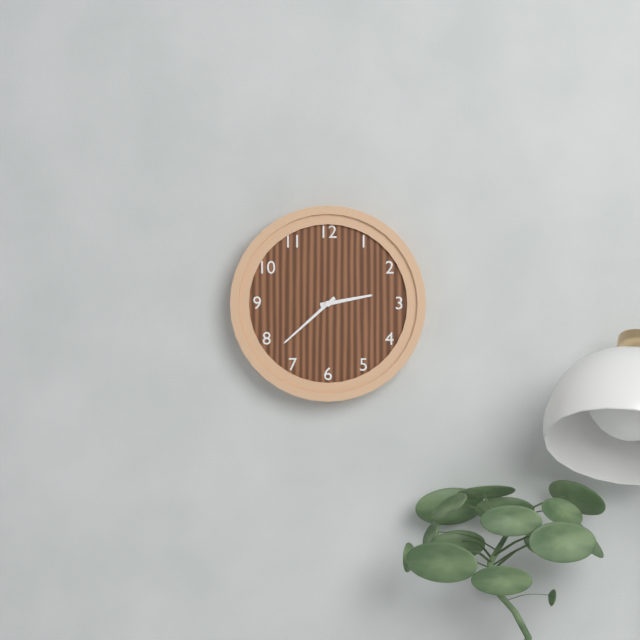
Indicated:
2 h 38 min
